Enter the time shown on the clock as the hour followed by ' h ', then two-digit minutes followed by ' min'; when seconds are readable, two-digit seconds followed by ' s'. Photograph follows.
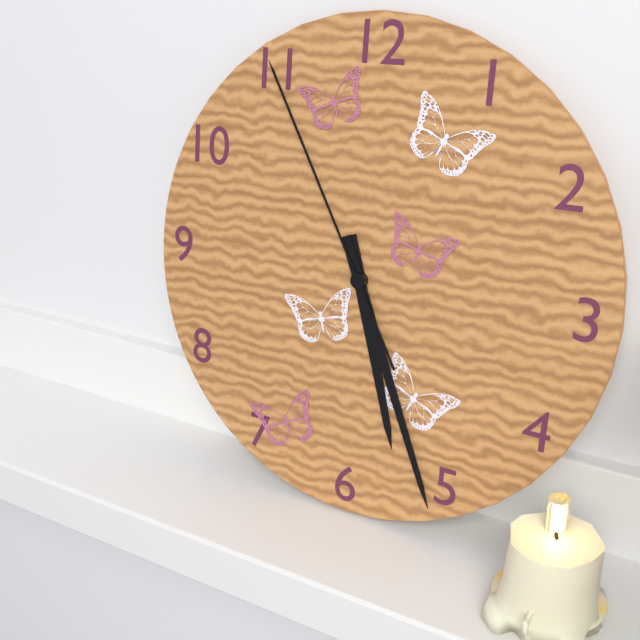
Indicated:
5 h 26 min 55 s
